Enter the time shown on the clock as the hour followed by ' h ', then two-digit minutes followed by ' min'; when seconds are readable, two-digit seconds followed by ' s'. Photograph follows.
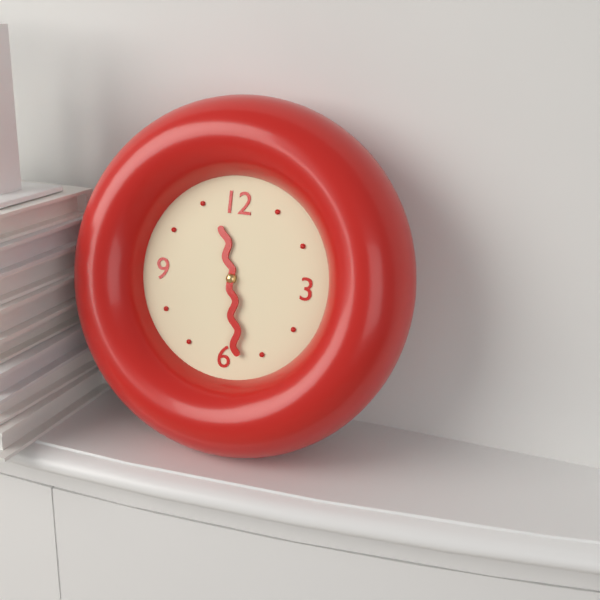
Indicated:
11 h 28 min
